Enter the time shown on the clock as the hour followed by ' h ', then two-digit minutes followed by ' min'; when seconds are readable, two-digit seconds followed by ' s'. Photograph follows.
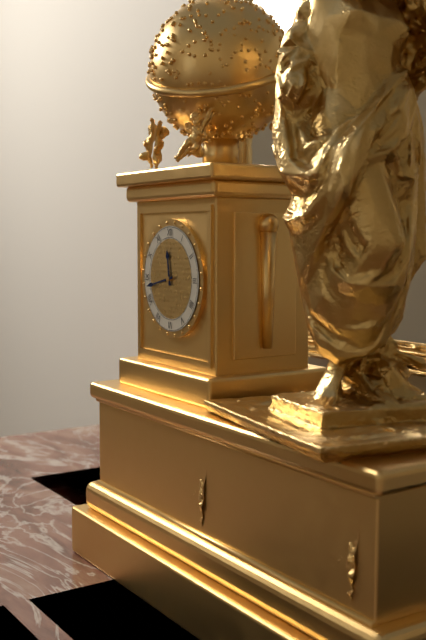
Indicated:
11 h 43 min
